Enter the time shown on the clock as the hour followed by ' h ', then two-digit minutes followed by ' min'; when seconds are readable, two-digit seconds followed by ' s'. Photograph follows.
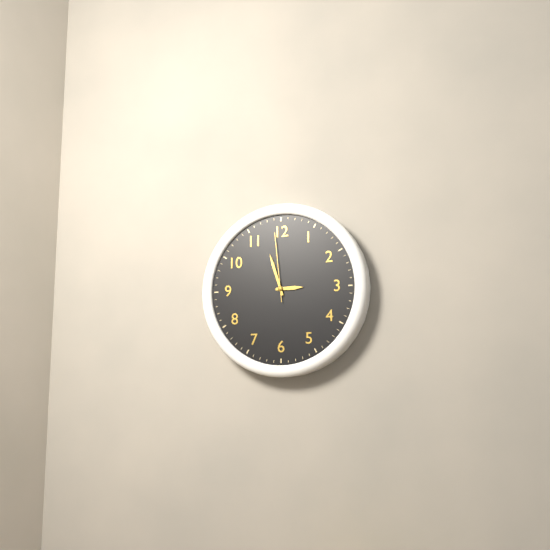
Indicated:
2 h 57 min 59 s
